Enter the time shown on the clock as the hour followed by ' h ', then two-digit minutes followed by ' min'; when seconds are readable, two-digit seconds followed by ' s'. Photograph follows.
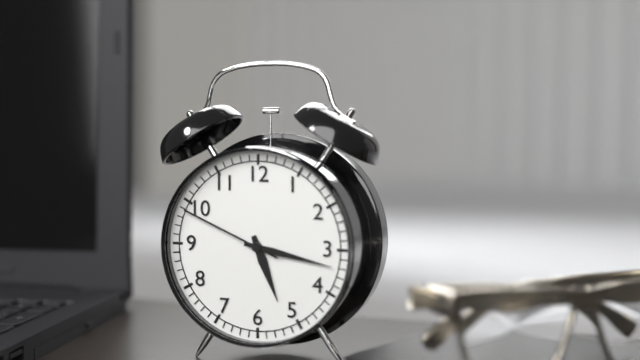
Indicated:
5 h 17 min 49 s
